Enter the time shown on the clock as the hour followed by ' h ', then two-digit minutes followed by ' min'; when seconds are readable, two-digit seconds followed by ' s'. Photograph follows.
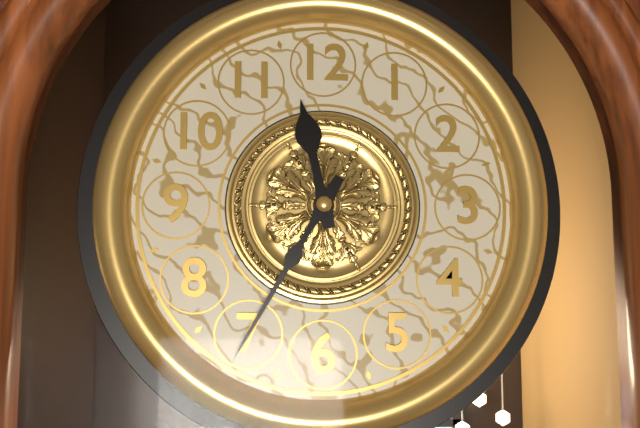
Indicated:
11 h 35 min
